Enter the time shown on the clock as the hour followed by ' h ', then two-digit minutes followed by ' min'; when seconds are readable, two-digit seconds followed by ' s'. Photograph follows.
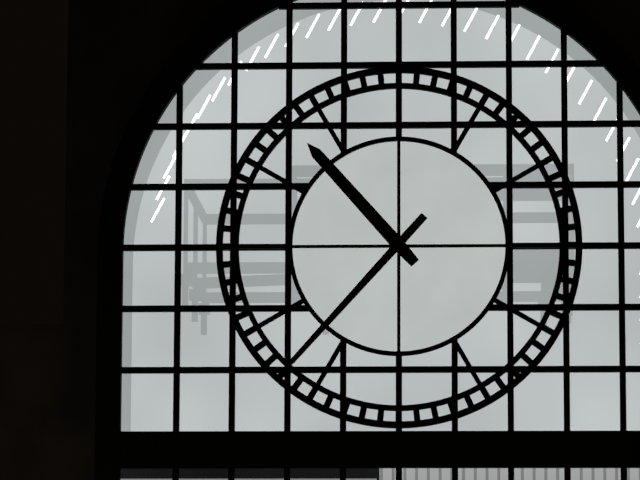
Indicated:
10 h 37 min
